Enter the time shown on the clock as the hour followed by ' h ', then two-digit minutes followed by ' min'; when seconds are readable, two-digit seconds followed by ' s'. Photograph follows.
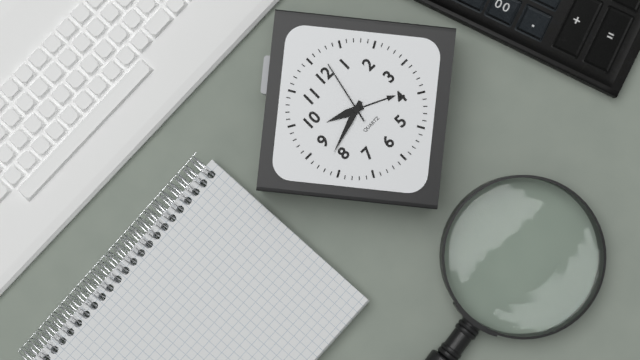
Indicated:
9 h 42 min 02 s
